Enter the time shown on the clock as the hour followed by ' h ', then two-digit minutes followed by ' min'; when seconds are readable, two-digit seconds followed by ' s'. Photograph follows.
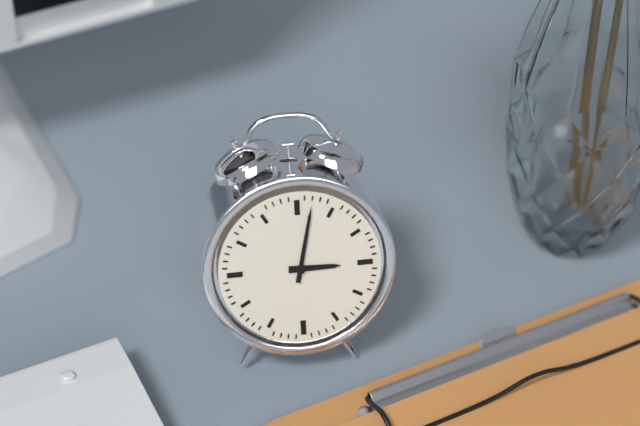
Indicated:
3 h 02 min
